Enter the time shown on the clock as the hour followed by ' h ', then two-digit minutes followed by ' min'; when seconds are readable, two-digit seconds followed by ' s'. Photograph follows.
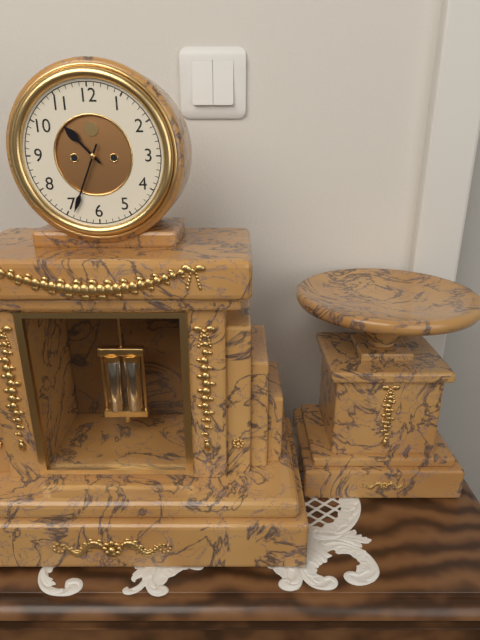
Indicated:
10 h 34 min
